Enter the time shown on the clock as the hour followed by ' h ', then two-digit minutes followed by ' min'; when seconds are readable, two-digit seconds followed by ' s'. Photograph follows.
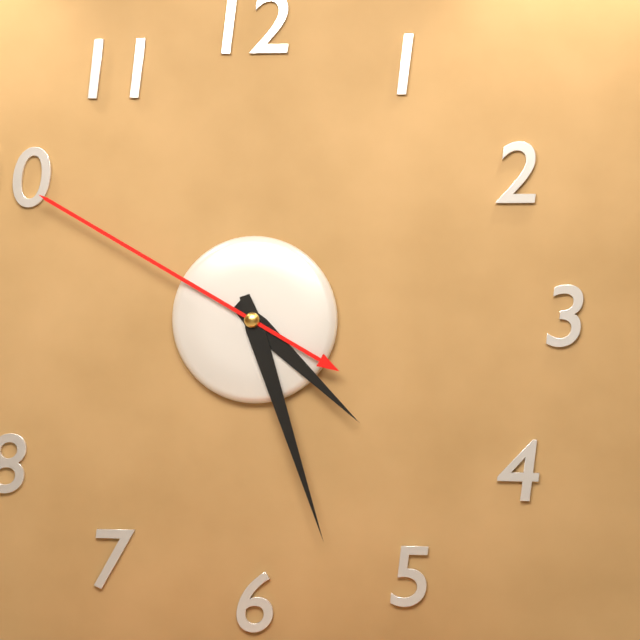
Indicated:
4 h 27 min 50 s
